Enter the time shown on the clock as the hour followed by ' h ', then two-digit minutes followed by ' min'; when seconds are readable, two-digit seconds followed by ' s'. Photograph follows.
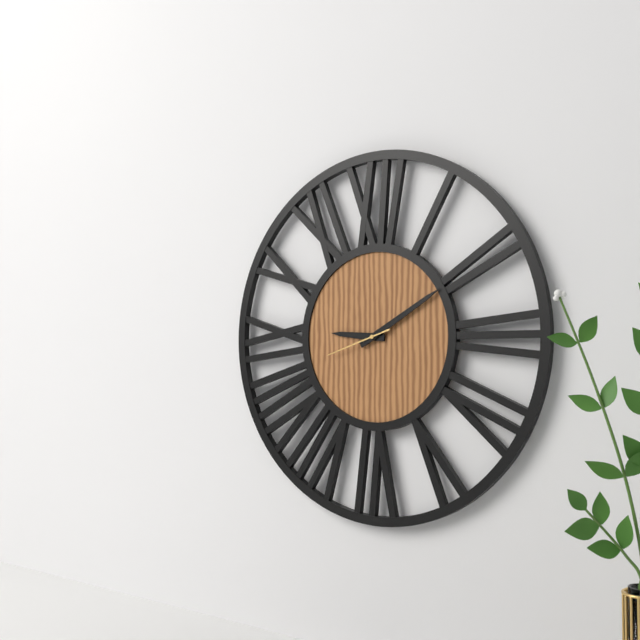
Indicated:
9 h 10 min 42 s
